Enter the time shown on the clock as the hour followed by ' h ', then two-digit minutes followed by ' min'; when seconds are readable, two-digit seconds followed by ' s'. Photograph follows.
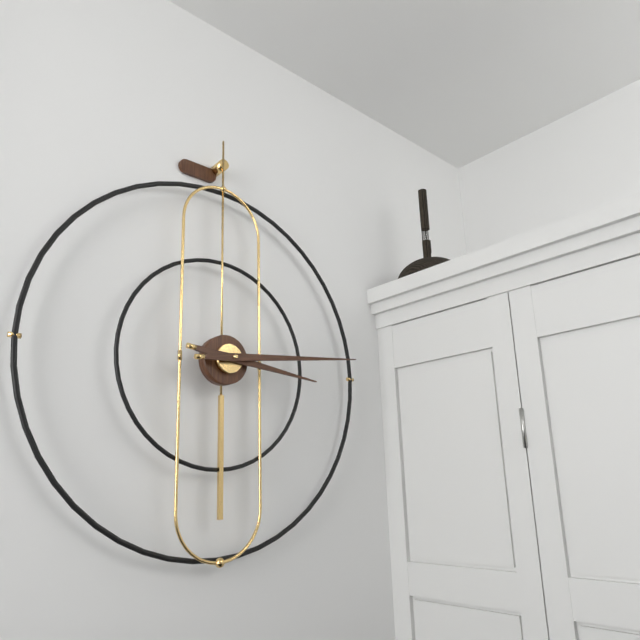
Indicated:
3 h 14 min
